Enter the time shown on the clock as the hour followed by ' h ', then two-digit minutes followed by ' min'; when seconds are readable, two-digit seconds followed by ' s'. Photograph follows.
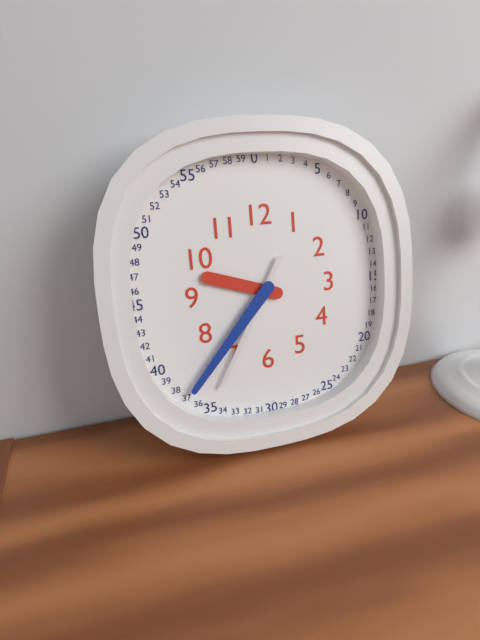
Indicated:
9 h 37 min 35 s
